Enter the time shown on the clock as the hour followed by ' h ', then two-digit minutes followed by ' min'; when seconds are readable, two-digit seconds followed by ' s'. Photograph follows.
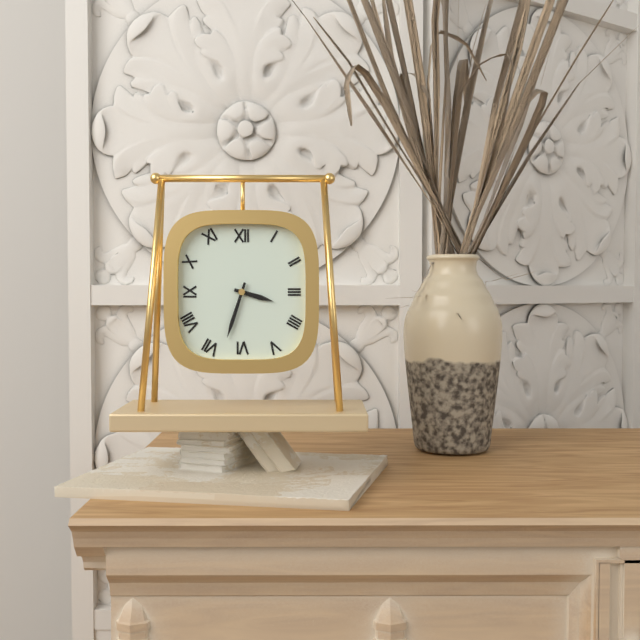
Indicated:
3 h 33 min
